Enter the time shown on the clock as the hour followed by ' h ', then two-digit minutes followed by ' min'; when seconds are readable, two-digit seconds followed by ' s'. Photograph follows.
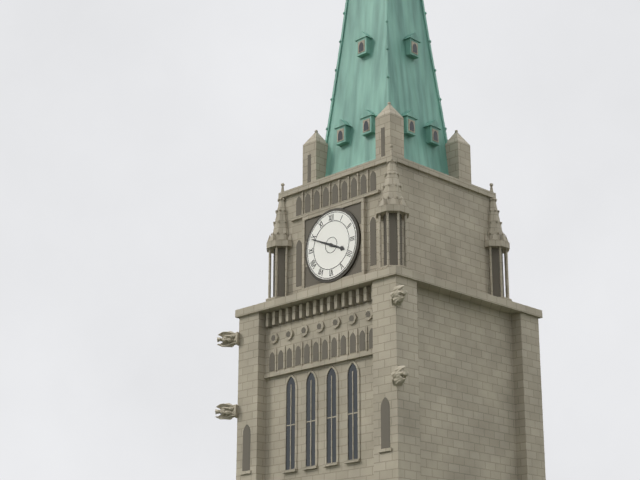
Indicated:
3 h 49 min
